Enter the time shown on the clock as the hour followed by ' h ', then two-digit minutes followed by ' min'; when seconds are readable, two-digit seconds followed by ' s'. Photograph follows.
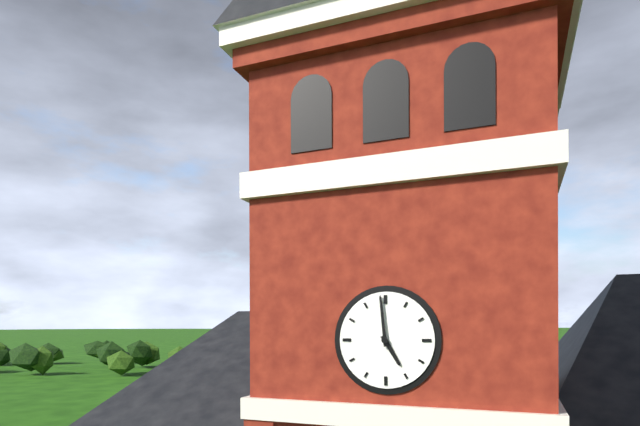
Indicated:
4 h 59 min
